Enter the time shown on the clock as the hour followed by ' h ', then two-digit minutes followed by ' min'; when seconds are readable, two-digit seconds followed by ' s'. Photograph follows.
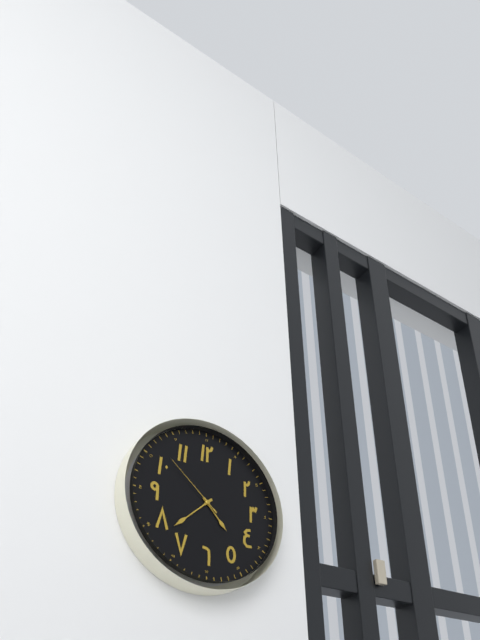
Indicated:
4 h 38 min 52 s
